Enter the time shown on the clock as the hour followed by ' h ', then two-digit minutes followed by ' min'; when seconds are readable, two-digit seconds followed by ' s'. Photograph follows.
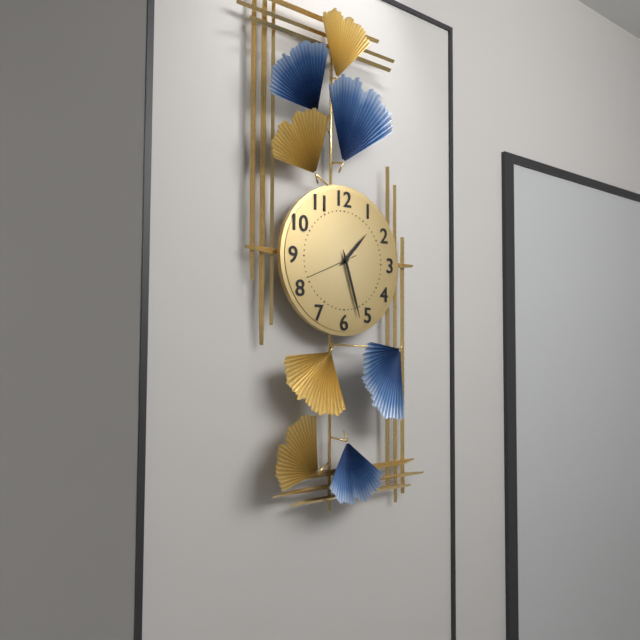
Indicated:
1 h 27 min
